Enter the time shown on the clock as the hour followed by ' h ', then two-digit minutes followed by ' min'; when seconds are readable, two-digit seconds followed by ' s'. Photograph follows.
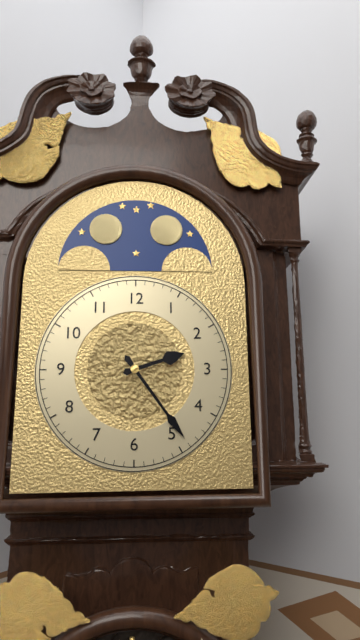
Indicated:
2 h 24 min
